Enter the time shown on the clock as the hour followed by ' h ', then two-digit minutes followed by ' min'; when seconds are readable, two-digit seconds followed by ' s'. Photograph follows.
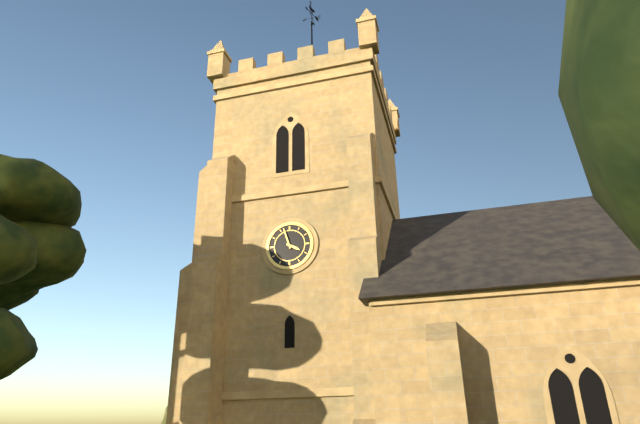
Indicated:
3 h 57 min
